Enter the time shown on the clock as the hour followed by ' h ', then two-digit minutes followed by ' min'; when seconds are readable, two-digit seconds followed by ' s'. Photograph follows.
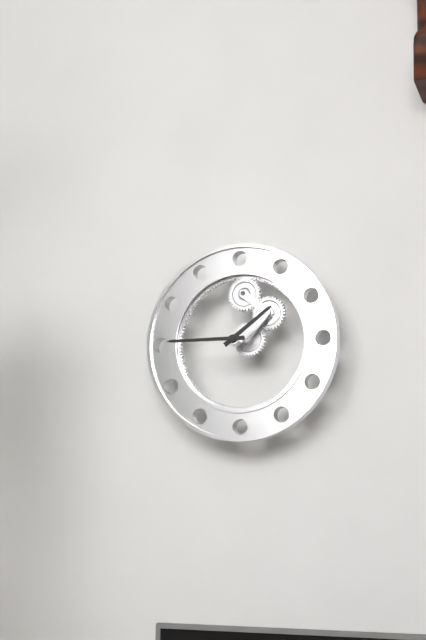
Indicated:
1 h 45 min
